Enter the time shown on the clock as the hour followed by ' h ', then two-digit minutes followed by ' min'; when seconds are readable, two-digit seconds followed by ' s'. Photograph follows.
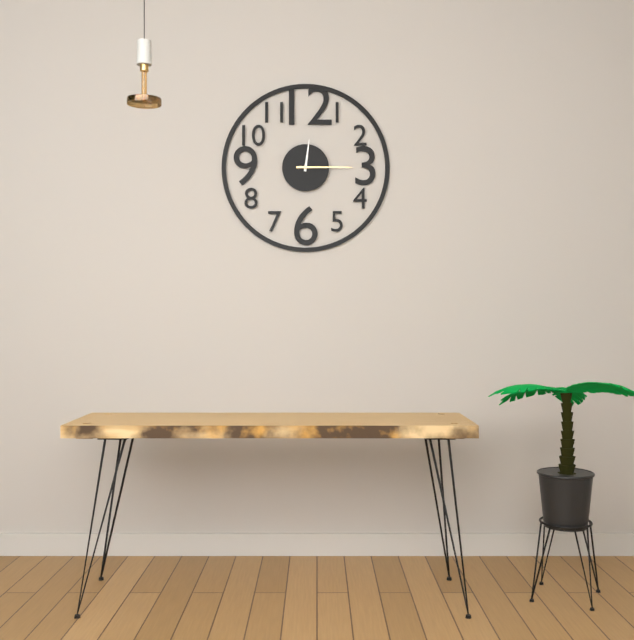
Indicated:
12 h 15 min
